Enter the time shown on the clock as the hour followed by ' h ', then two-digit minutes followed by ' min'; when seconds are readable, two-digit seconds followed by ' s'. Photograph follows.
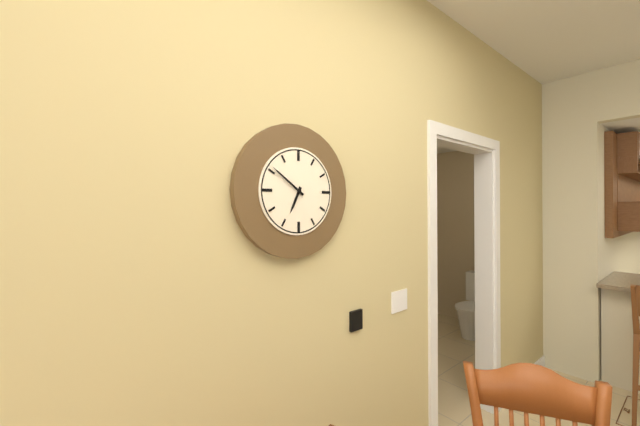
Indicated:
6 h 51 min
